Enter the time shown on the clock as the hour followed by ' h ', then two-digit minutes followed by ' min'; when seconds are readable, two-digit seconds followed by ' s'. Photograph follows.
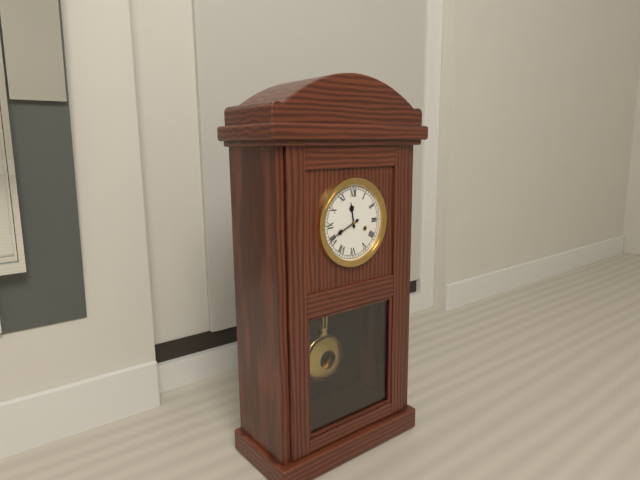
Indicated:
11 h 41 min
